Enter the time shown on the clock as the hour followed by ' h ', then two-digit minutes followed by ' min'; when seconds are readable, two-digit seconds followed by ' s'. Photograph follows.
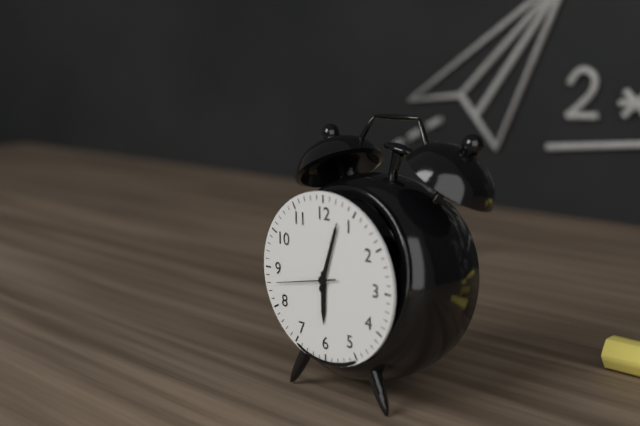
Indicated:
6 h 03 min 43 s
